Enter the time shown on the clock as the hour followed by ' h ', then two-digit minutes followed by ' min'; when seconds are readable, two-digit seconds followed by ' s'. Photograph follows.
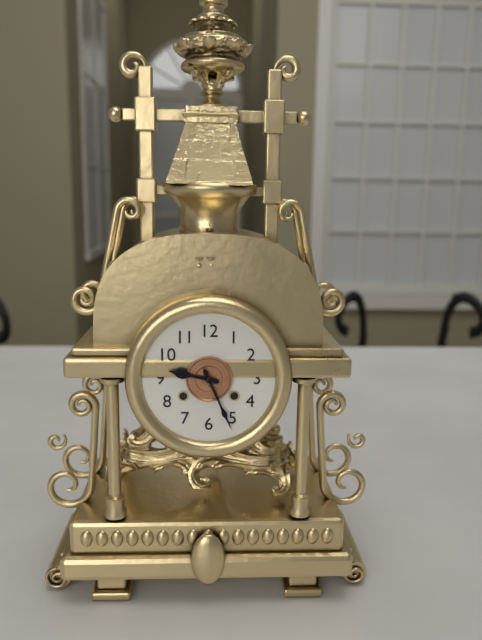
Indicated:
9 h 26 min
